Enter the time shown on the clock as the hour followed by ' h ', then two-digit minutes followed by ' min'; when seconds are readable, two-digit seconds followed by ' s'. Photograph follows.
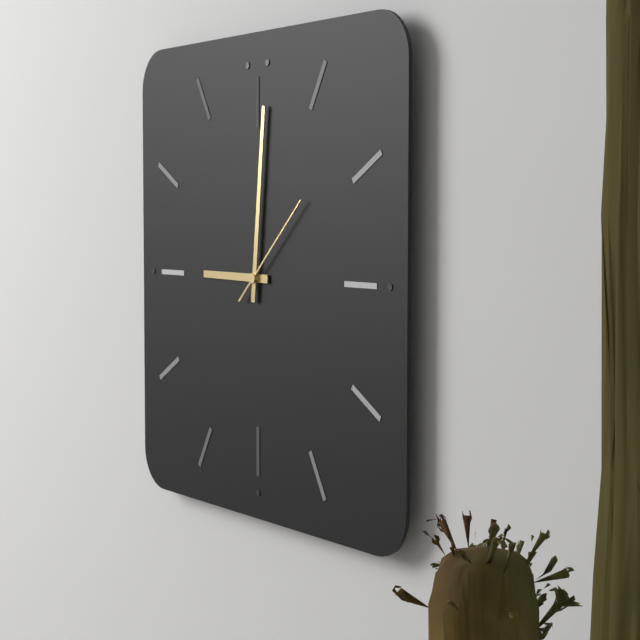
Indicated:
9 h 01 min 08 s
